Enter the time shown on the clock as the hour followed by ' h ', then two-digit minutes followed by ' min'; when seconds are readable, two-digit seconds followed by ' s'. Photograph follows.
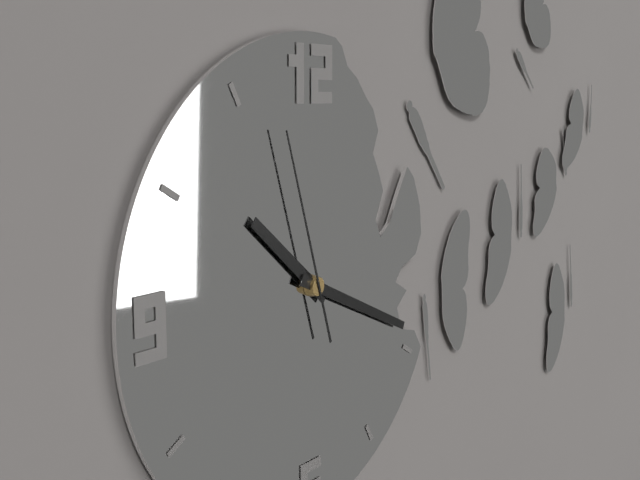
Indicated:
10 h 19 min 57 s
